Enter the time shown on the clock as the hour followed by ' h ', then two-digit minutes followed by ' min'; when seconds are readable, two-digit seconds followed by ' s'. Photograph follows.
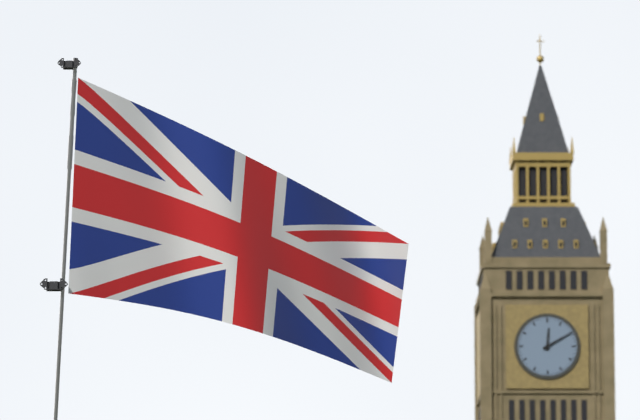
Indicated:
12 h 10 min
